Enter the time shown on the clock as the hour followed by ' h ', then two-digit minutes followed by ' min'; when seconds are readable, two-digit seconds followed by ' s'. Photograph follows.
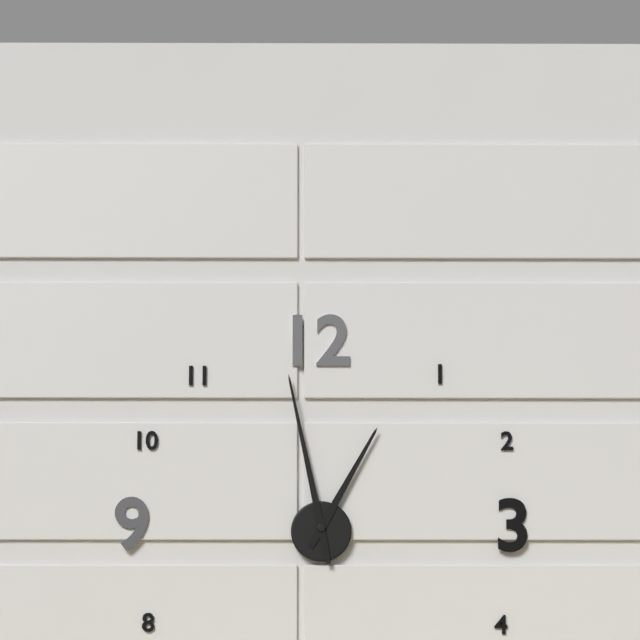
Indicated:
12 h 58 min
